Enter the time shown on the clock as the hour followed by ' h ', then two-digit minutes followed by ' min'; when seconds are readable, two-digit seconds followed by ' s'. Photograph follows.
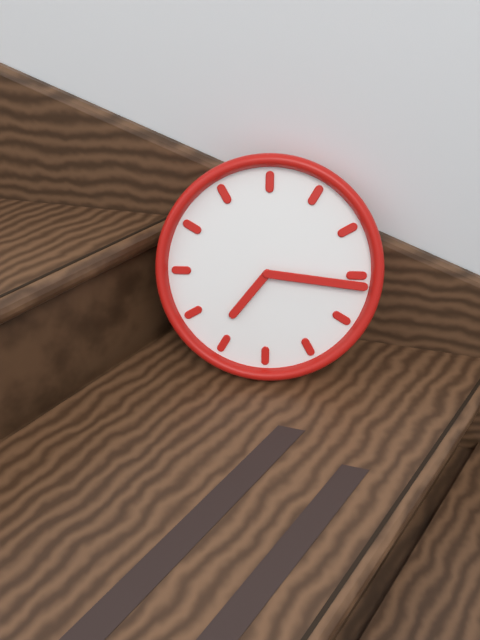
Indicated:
7 h 16 min
